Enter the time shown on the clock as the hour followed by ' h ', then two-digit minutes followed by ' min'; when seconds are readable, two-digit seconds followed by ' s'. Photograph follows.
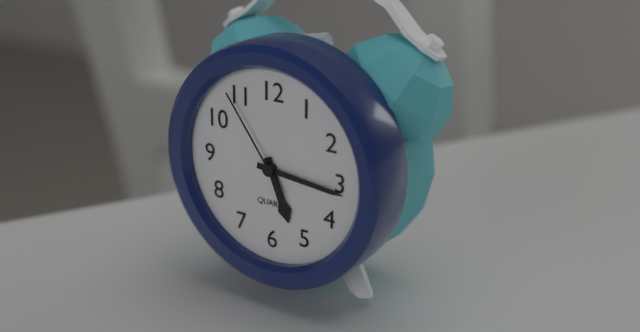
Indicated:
5 h 16 min 54 s
